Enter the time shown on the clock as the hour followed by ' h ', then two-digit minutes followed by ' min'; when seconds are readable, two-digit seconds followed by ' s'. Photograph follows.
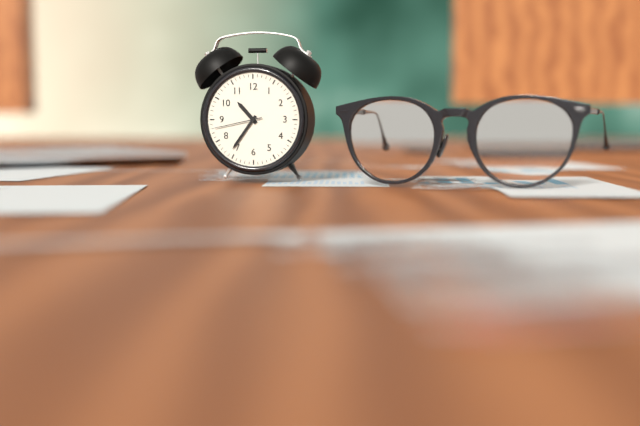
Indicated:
10 h 36 min
